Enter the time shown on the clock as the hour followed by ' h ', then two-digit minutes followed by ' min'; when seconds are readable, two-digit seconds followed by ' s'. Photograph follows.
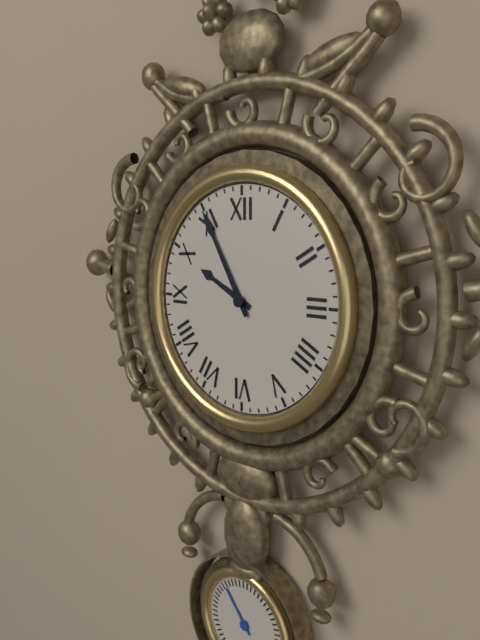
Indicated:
9 h 55 min
